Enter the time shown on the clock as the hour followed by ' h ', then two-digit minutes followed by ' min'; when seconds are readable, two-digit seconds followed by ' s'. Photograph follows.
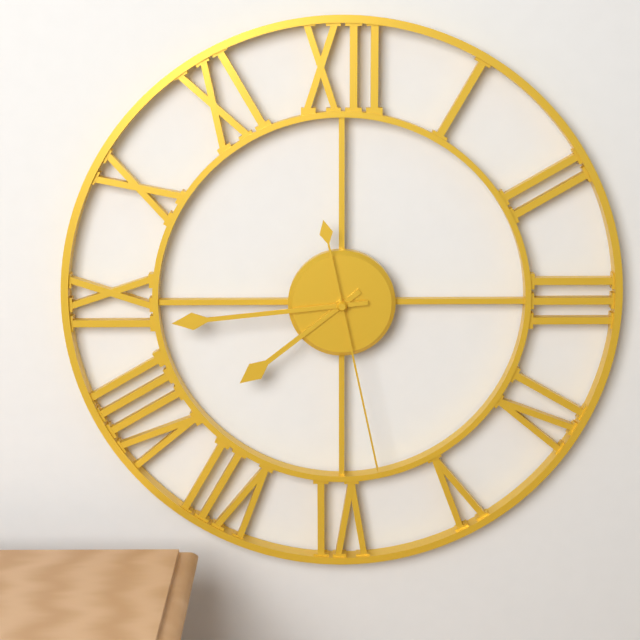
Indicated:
7 h 44 min 28 s
